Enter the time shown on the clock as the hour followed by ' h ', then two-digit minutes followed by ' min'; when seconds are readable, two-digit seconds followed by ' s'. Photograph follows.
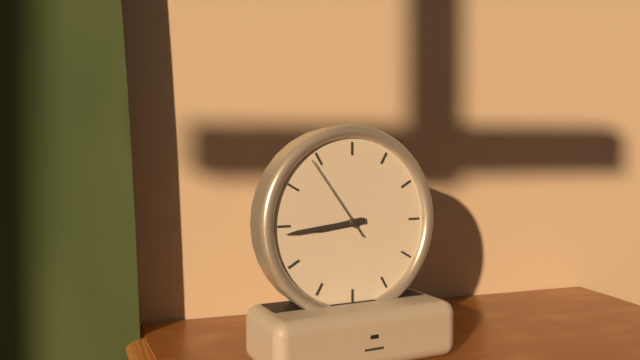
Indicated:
8 h 44 min 54 s
